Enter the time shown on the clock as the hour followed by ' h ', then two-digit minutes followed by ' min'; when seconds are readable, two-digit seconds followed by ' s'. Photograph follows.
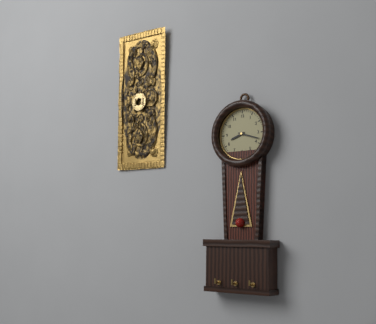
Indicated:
8 h 18 min
